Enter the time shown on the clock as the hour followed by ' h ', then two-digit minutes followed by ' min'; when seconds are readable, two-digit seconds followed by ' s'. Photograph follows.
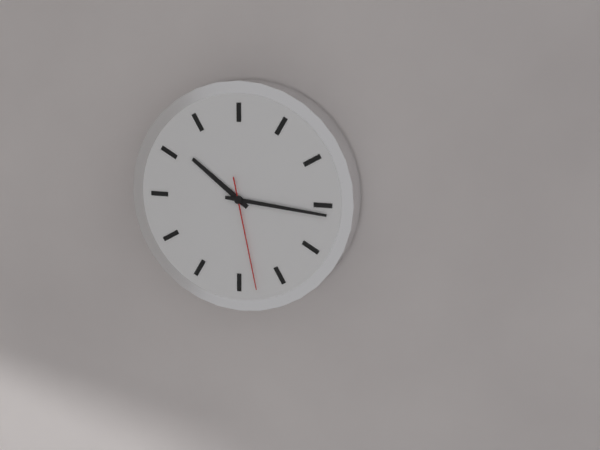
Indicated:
10 h 16 min 28 s
